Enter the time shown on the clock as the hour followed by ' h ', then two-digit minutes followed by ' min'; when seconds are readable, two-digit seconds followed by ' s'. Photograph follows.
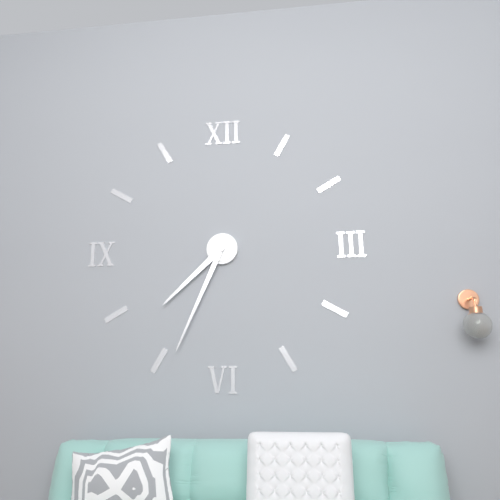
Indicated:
7 h 34 min
